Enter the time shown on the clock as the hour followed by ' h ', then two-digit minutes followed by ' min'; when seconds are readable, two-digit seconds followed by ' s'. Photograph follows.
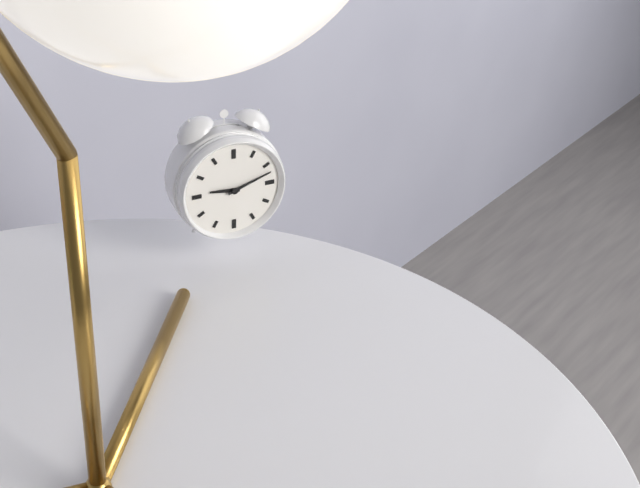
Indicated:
9 h 12 min
